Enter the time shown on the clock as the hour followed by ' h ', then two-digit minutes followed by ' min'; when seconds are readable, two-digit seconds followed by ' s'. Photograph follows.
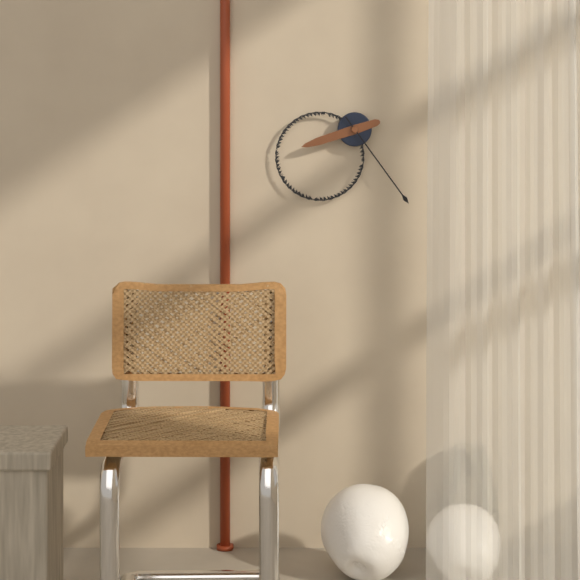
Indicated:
8 h 24 min
